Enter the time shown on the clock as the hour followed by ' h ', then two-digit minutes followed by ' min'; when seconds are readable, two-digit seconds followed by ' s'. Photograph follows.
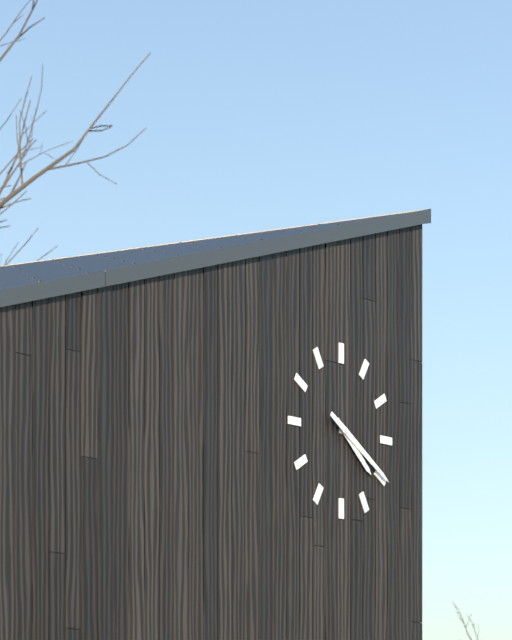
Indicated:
4 h 20 min
